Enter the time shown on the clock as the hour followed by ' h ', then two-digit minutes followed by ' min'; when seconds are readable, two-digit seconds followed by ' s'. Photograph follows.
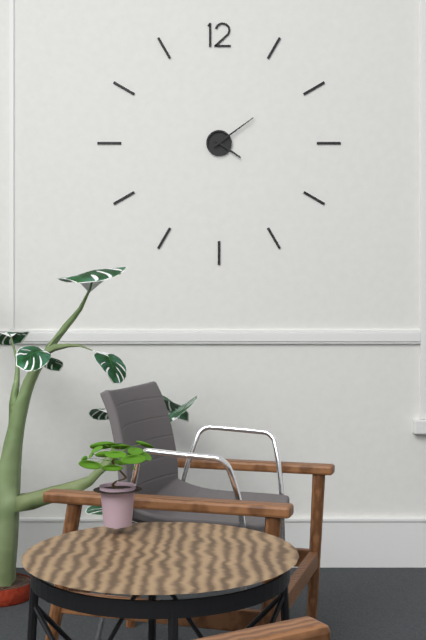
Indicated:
4 h 09 min
